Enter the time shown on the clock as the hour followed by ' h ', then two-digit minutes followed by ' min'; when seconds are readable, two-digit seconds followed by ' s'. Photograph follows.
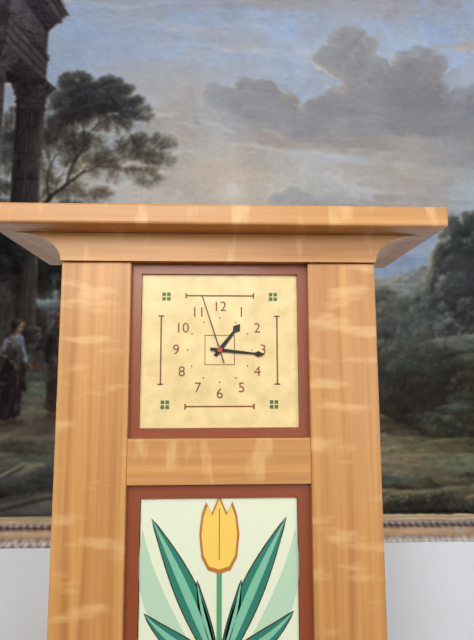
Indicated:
1 h 16 min 57 s
